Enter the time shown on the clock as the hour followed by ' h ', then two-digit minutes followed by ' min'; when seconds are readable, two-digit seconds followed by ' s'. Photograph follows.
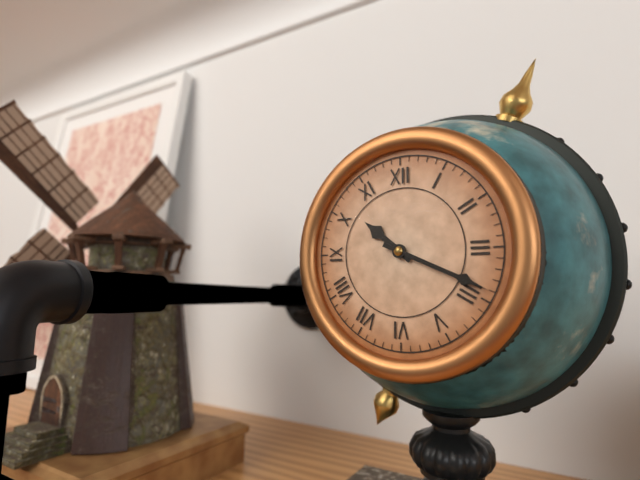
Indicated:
10 h 19 min
